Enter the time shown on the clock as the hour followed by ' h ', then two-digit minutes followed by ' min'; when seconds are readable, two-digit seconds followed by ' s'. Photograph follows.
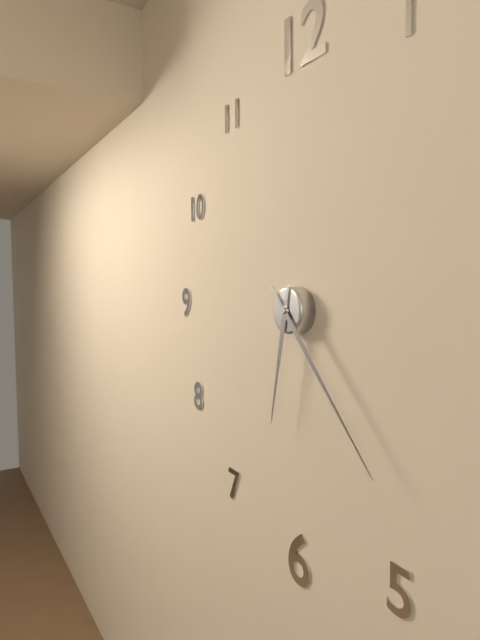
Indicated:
6 h 23 min
